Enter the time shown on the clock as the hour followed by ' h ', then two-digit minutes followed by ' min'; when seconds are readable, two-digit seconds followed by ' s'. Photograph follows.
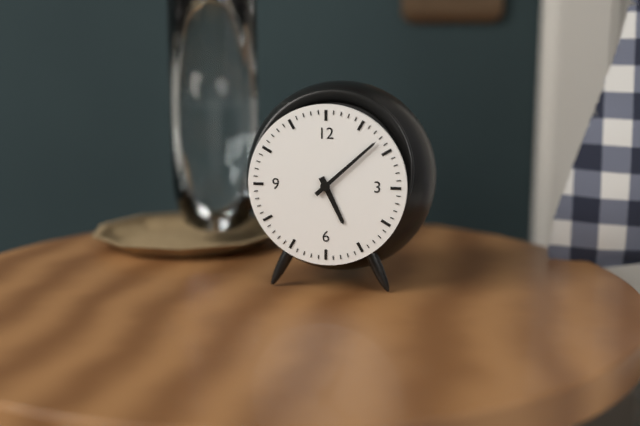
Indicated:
5 h 08 min
